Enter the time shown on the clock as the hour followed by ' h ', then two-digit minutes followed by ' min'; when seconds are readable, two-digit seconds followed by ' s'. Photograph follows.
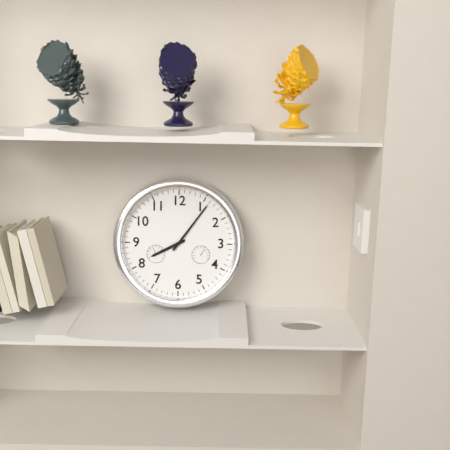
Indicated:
8 h 06 min
